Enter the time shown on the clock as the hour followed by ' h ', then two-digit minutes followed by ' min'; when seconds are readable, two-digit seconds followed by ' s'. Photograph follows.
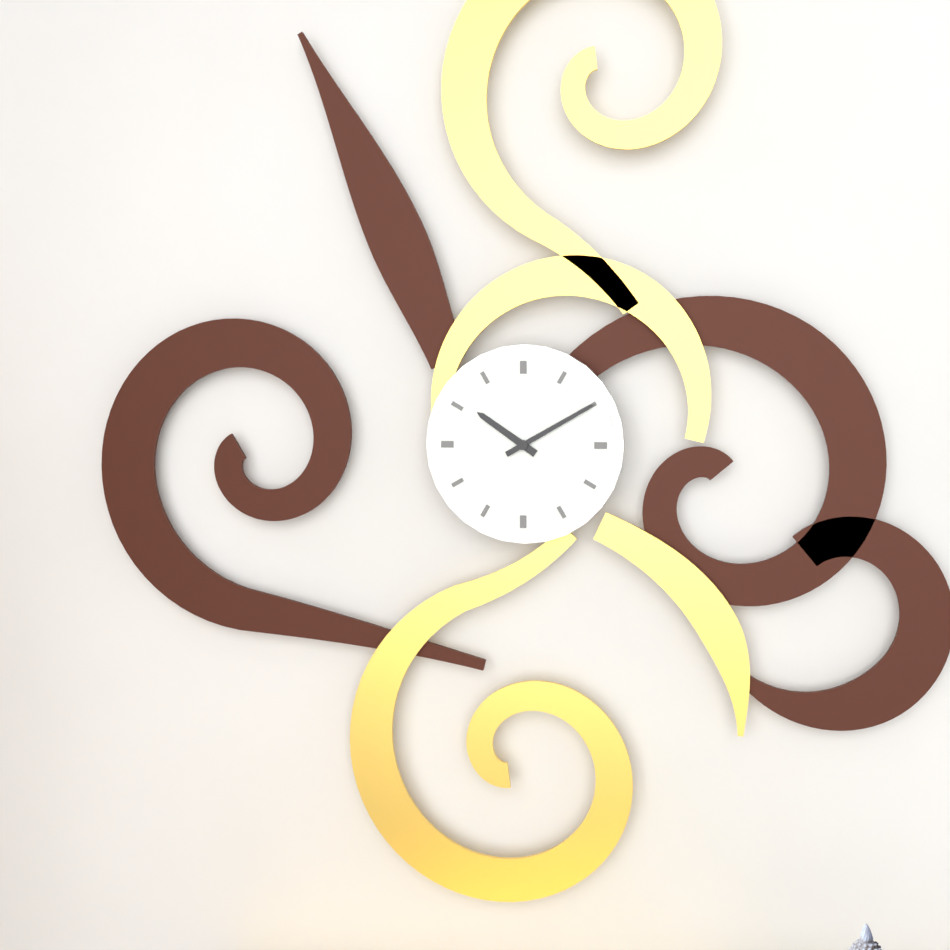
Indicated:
10 h 10 min
